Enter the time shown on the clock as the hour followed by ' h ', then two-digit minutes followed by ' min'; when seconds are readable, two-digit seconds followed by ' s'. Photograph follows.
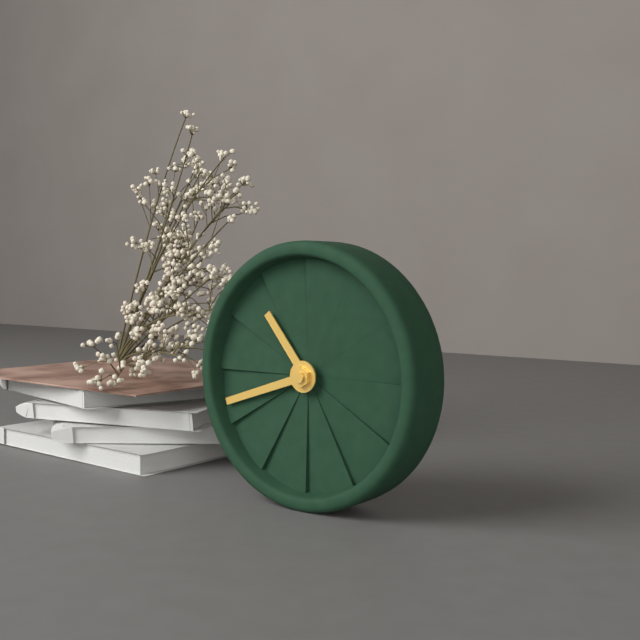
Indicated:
10 h 42 min
